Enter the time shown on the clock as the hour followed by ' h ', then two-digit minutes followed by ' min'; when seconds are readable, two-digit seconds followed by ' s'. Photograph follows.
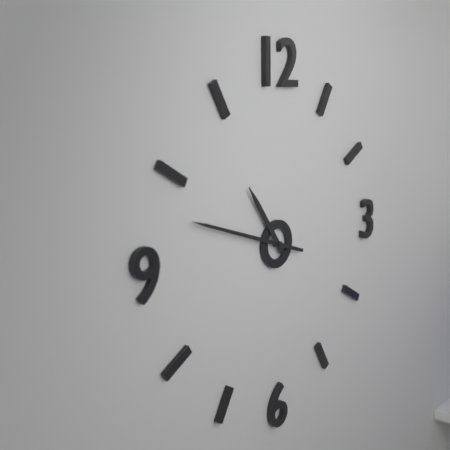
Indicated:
10 h 48 min
